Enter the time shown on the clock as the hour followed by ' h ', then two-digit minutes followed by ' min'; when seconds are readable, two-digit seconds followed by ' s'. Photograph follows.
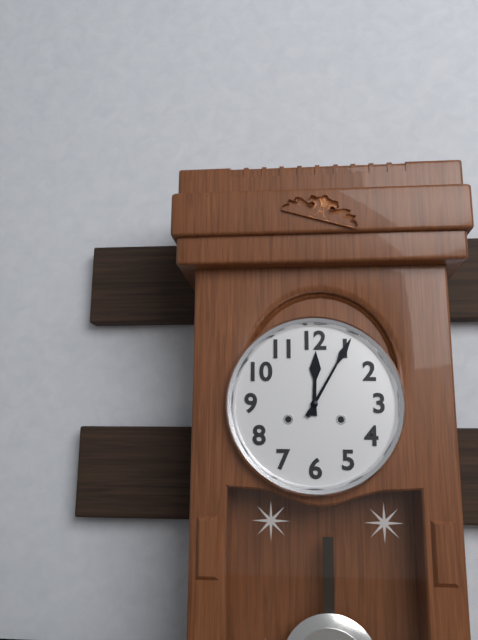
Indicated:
12 h 05 min
